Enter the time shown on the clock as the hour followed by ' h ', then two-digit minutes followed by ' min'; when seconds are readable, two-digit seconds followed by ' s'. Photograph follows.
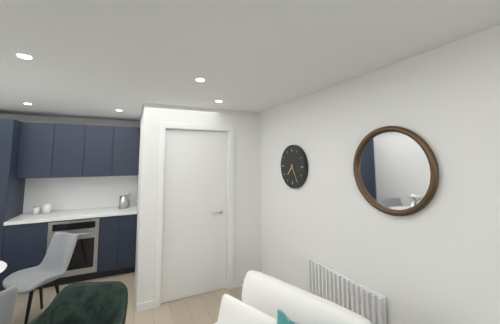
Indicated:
7 h 25 min
